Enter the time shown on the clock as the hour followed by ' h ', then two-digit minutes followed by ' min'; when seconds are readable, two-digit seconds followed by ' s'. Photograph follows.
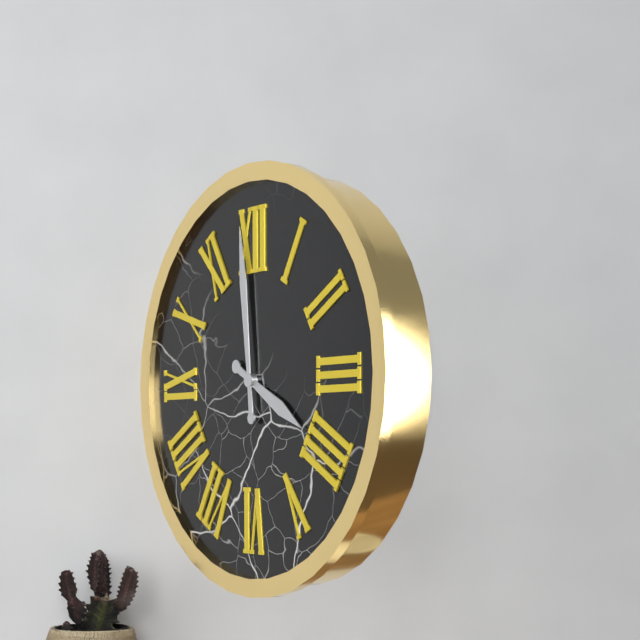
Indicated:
3 h 59 min
